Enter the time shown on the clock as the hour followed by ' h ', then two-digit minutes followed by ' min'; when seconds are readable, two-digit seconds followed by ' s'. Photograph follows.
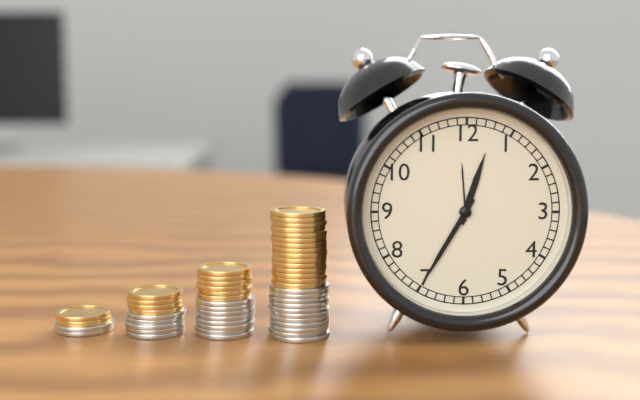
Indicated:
12 h 35 min
